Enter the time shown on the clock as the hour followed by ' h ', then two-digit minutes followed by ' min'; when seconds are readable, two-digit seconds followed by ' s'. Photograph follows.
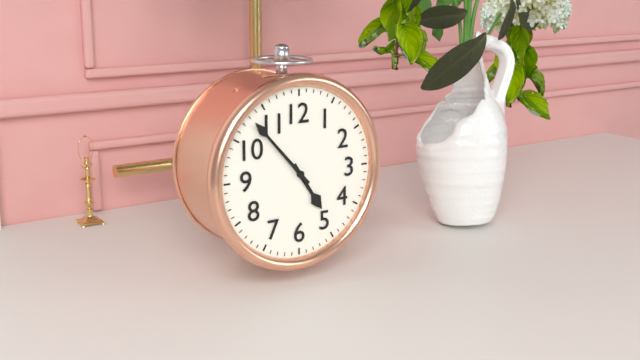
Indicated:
4 h 53 min
